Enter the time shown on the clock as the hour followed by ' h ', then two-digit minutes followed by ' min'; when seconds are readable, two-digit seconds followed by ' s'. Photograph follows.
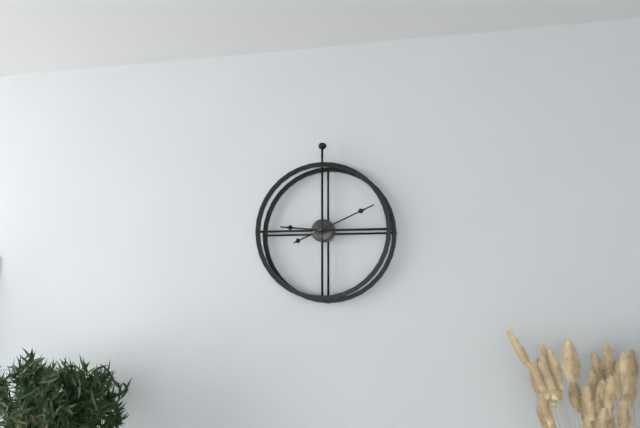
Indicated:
9 h 11 min
